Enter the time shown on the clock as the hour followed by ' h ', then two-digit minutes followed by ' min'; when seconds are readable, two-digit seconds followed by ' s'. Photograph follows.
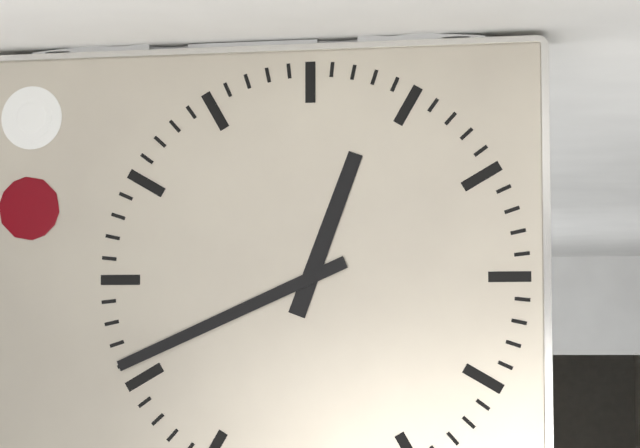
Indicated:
12 h 41 min
